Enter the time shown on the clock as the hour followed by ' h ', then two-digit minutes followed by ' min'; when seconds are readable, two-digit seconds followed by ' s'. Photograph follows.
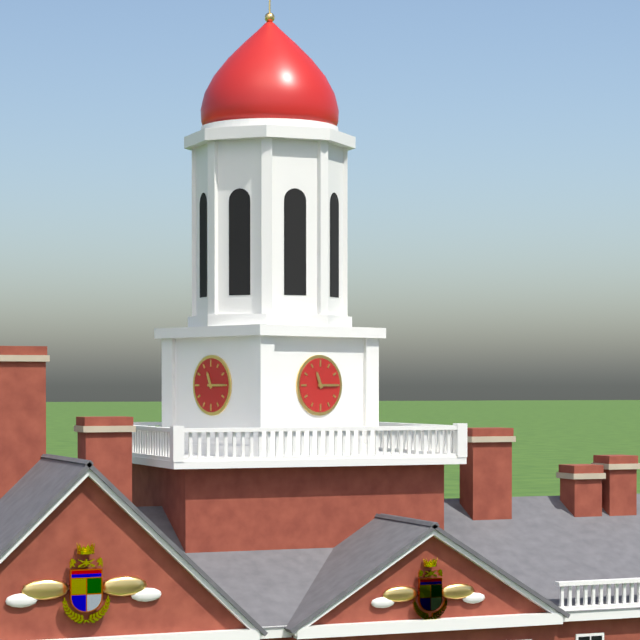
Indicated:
11 h 15 min
